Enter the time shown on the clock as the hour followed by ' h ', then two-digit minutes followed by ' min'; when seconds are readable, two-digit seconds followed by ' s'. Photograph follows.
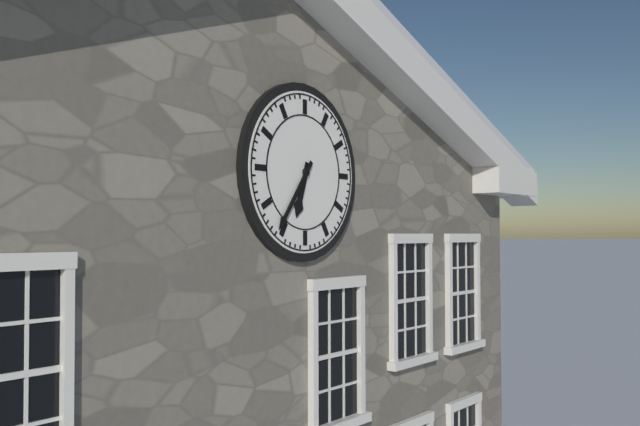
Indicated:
6 h 36 min
